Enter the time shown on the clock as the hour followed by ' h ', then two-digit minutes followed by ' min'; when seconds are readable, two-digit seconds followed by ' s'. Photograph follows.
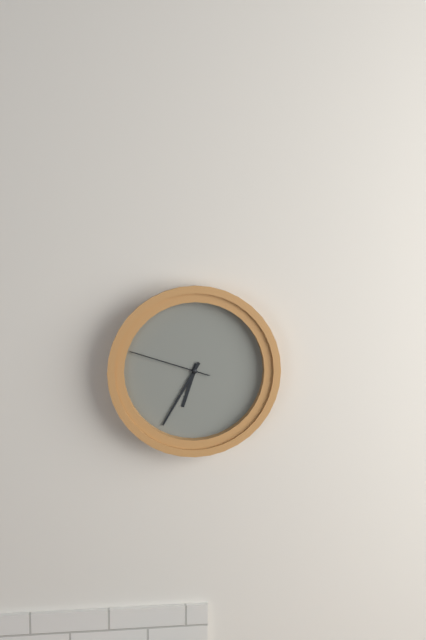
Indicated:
6 h 35 min 48 s
